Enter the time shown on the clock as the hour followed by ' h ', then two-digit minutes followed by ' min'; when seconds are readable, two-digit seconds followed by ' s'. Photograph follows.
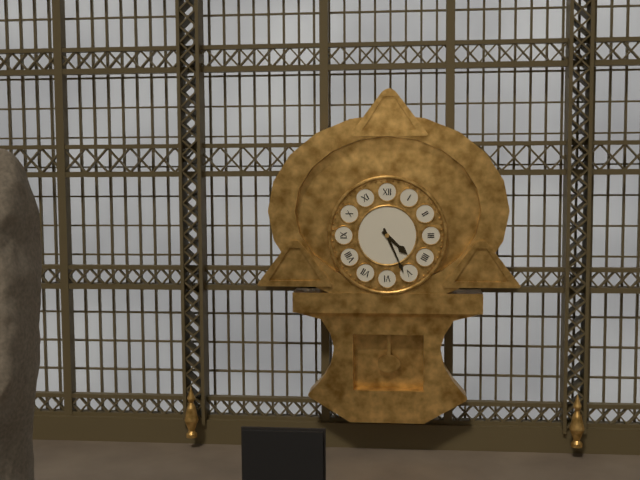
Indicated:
4 h 26 min
